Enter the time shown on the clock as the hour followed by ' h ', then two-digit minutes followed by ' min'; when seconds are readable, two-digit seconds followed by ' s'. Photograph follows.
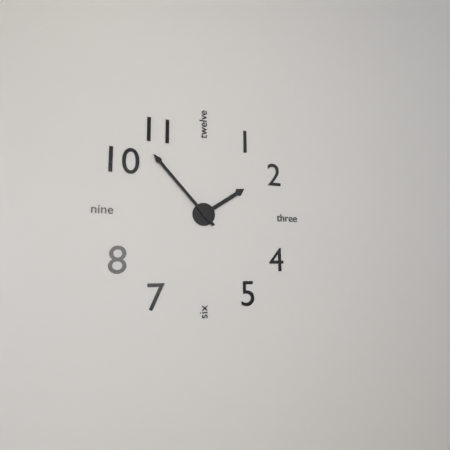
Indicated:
1 h 53 min
